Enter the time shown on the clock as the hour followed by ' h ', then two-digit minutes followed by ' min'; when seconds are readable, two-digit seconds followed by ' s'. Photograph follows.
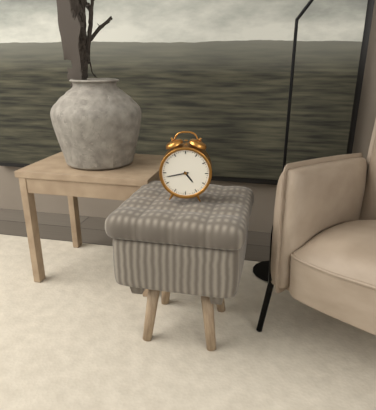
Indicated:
4 h 43 min
